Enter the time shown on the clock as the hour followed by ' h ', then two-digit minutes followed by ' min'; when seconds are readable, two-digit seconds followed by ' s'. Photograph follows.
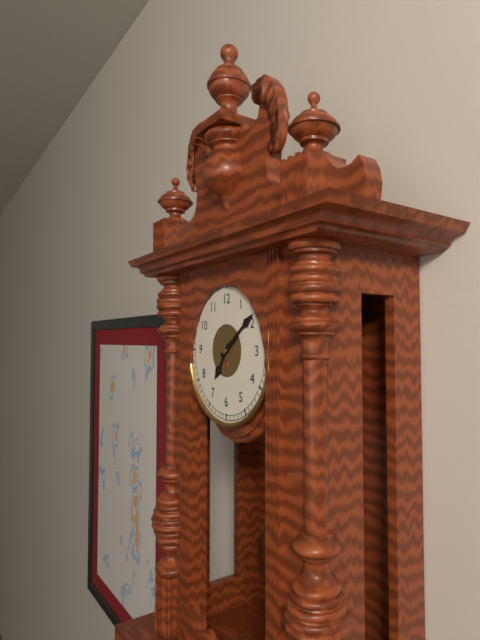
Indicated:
7 h 09 min
